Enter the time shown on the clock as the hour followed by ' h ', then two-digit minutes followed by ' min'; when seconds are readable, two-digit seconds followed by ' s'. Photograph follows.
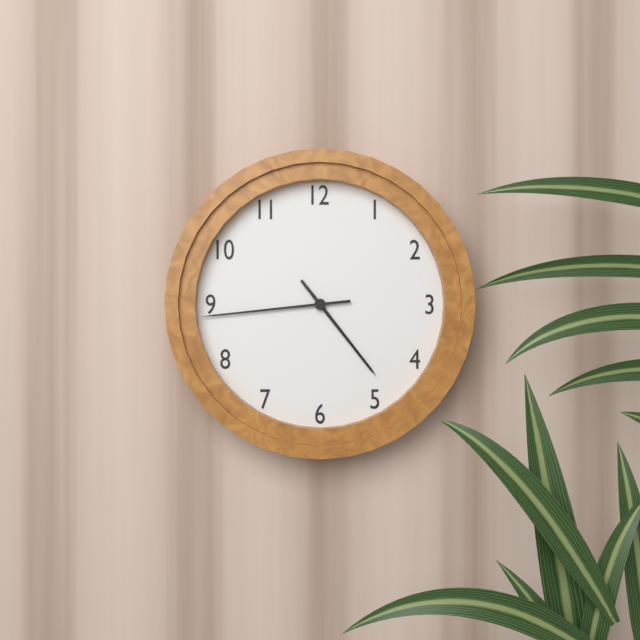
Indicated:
4 h 44 min
